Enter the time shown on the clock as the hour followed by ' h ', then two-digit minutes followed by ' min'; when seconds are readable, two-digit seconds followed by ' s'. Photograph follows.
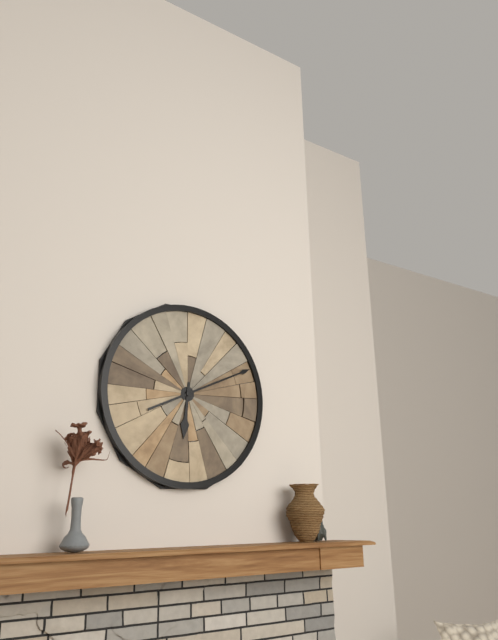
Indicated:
6 h 11 min
